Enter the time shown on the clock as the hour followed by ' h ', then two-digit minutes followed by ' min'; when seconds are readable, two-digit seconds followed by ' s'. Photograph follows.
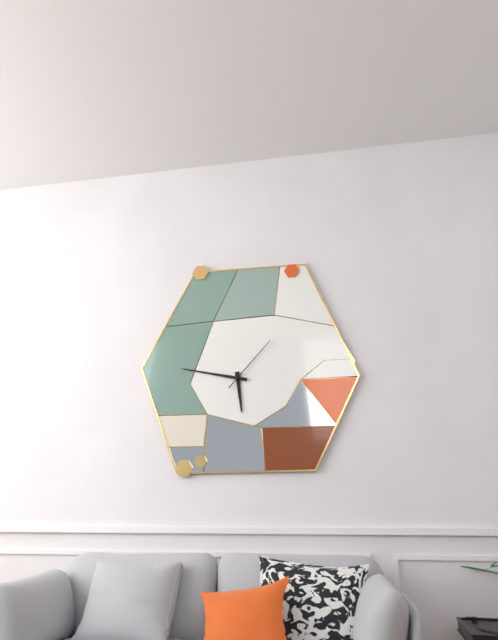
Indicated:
5 h 47 min 07 s
